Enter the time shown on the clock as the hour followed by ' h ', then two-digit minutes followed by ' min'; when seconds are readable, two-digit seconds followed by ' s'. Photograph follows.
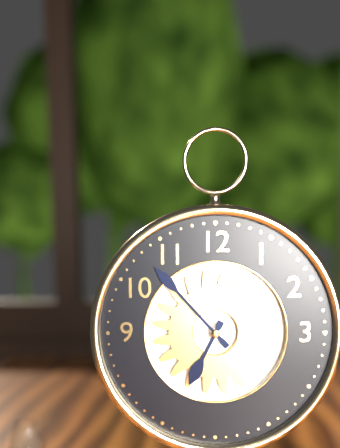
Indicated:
6 h 53 min
